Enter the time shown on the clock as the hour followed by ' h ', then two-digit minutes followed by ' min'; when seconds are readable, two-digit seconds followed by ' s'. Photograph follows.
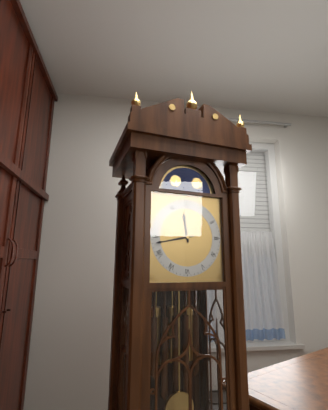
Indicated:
11 h 43 min
